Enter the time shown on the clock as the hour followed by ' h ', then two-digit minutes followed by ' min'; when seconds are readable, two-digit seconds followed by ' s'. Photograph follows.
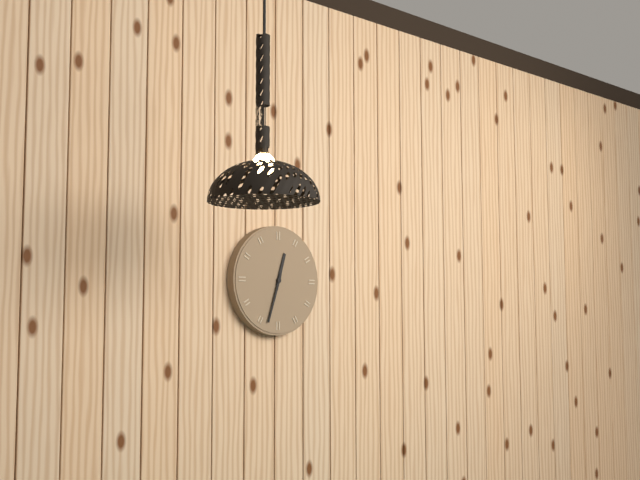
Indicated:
12 h 33 min
